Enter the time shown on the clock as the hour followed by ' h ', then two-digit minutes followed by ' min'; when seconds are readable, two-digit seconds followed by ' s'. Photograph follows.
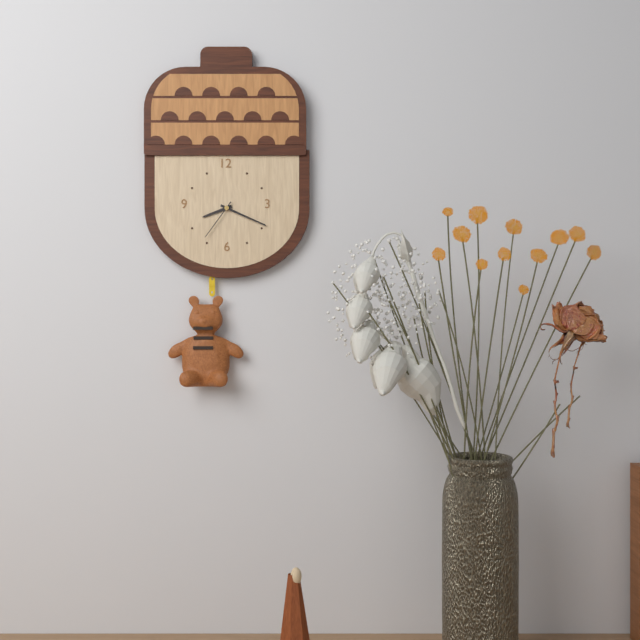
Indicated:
8 h 19 min
